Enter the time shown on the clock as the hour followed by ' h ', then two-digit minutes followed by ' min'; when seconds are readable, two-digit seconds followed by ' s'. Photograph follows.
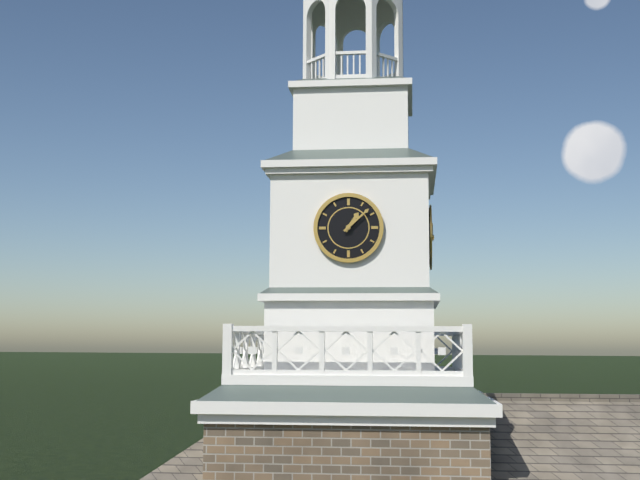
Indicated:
1 h 08 min
